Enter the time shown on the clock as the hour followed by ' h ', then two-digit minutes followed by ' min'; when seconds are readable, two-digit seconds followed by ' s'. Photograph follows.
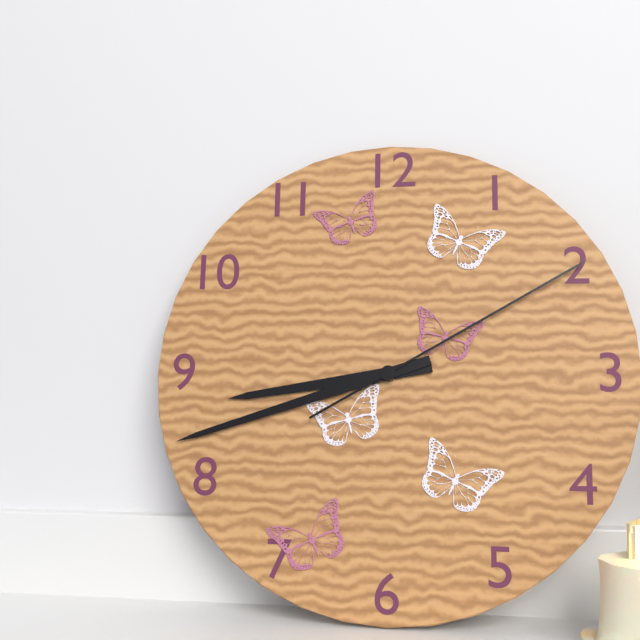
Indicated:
8 h 42 min 10 s
